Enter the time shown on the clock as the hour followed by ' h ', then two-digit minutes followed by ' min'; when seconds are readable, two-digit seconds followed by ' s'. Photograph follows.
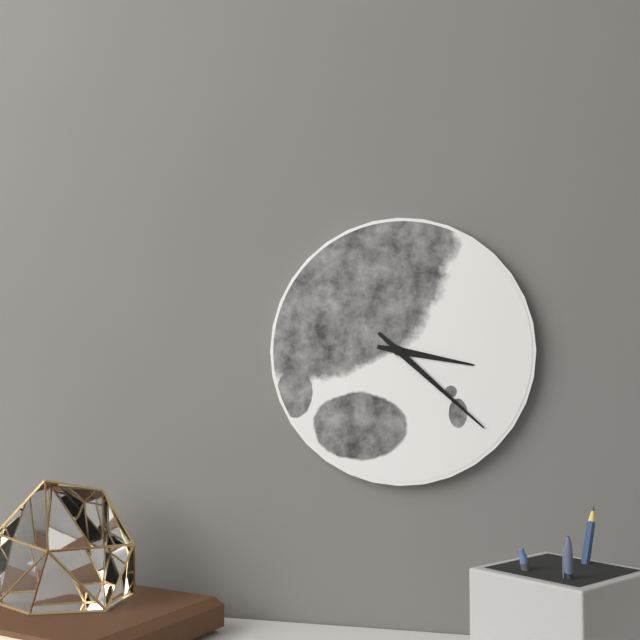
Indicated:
3 h 22 min
